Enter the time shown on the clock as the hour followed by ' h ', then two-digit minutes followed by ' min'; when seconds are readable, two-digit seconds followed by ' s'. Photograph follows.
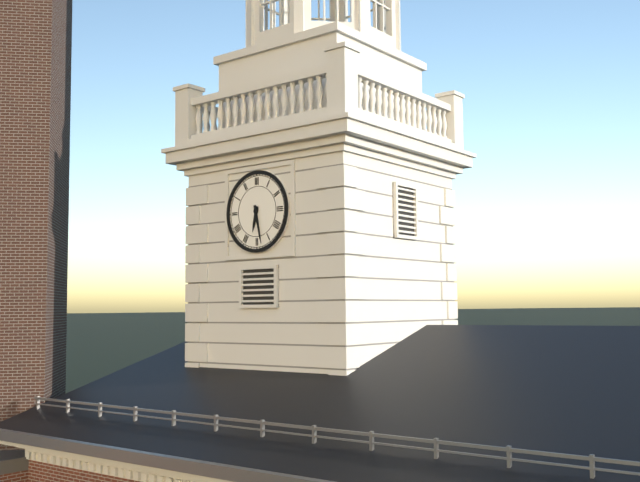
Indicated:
6 h 28 min
